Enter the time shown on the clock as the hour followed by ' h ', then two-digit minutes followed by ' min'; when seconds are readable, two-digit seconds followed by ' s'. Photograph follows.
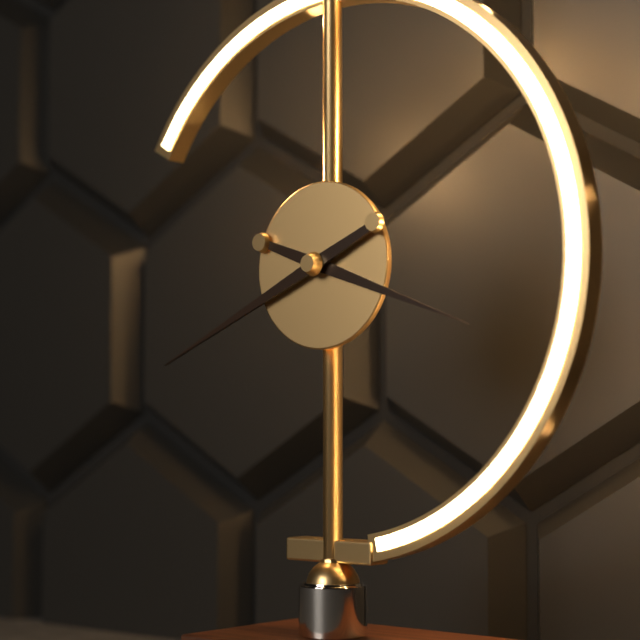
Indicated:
3 h 41 min
